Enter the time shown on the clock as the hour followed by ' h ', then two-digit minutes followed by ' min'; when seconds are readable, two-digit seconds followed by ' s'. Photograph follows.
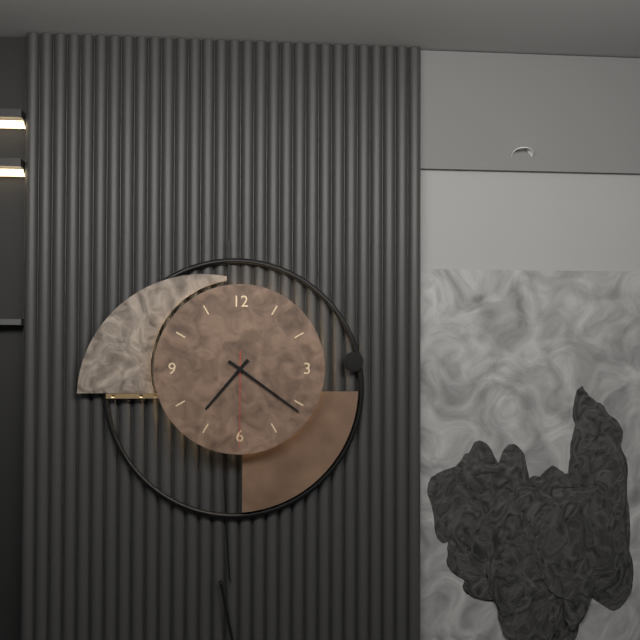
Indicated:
7 h 21 min 30 s
